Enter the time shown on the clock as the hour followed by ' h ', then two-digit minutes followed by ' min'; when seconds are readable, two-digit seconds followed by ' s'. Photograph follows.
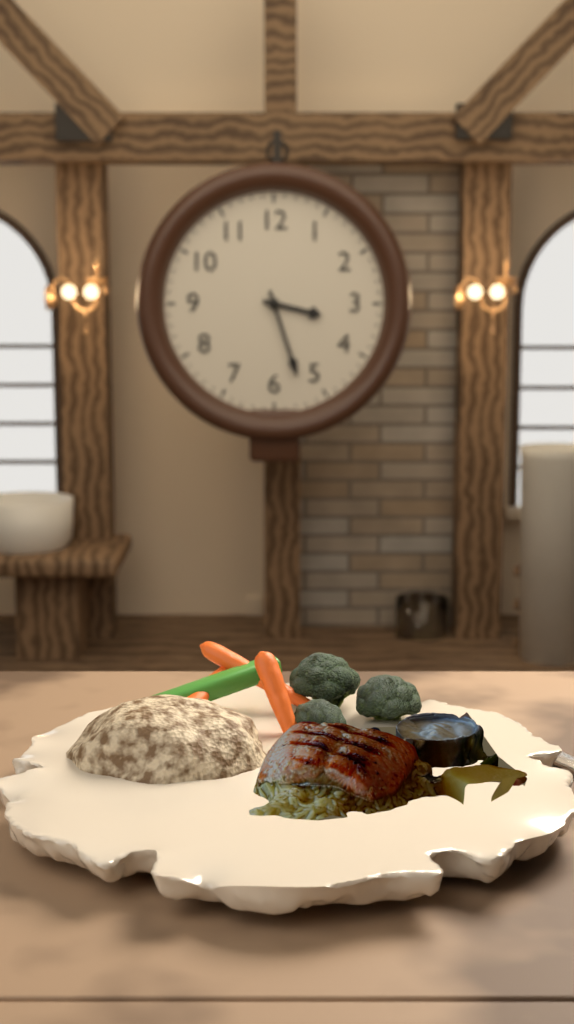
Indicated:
3 h 27 min
